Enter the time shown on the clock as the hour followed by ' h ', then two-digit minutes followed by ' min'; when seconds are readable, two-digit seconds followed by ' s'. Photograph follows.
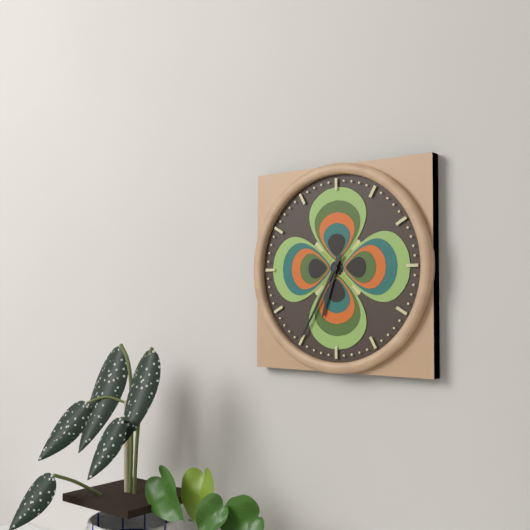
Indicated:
6 h 35 min
